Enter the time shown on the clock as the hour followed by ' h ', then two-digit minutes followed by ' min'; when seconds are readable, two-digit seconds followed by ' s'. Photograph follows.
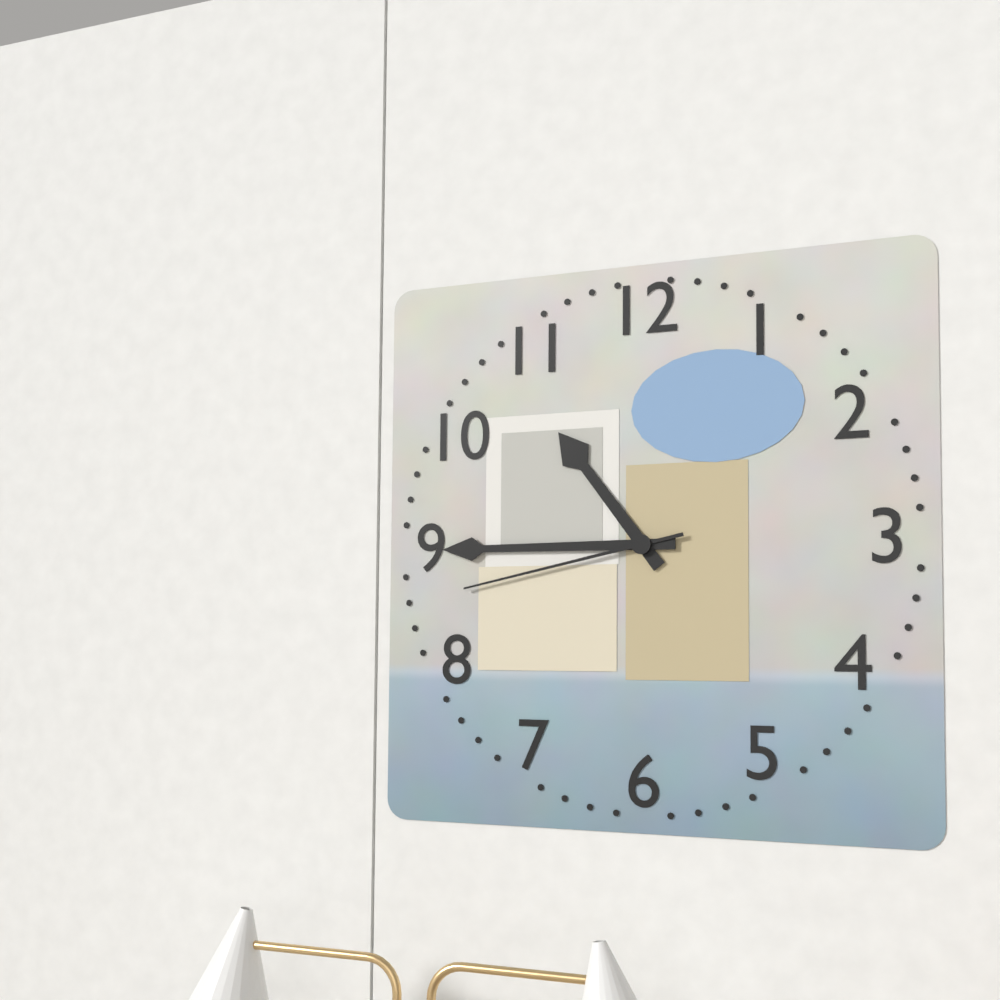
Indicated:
10 h 45 min 43 s
